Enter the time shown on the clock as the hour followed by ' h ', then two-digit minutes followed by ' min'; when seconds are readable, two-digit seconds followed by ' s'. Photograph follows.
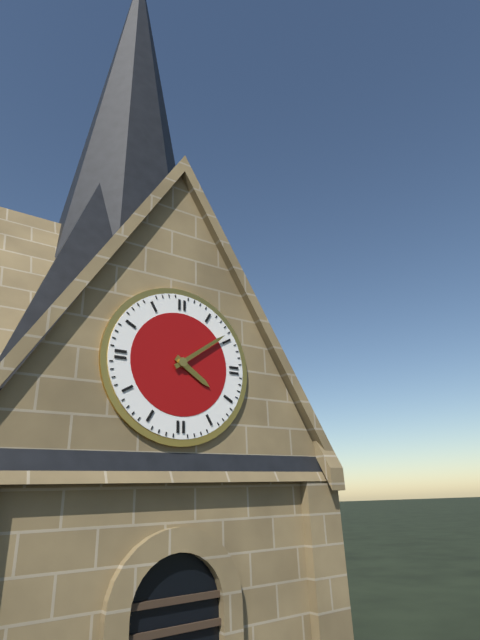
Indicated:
4 h 09 min
